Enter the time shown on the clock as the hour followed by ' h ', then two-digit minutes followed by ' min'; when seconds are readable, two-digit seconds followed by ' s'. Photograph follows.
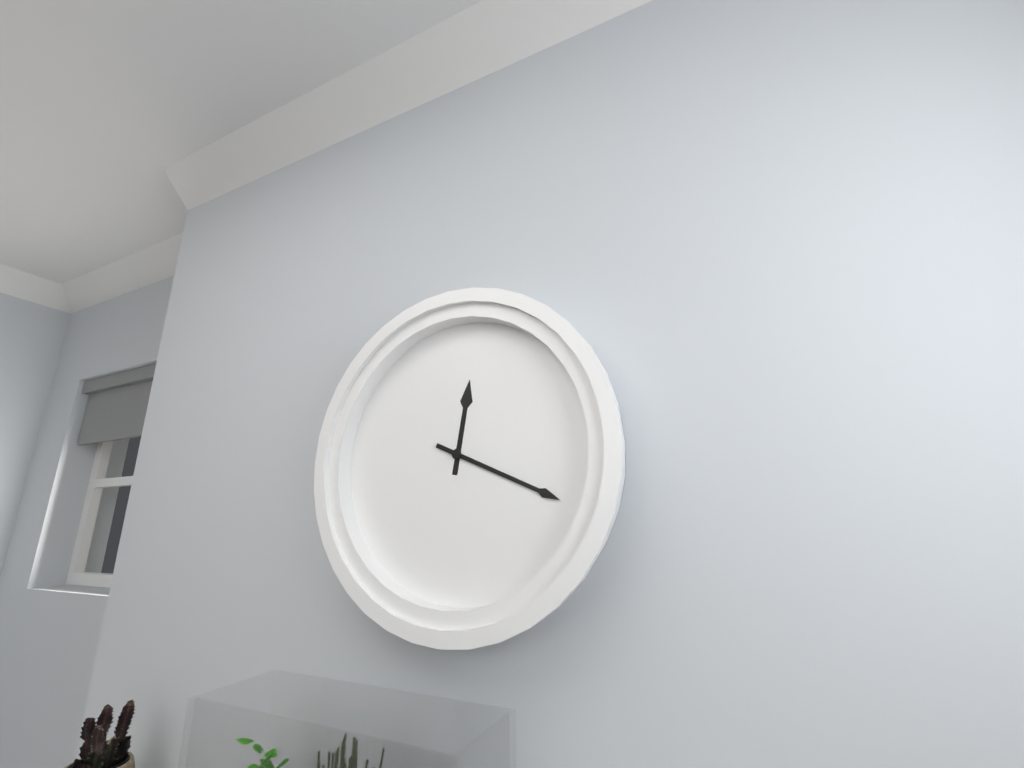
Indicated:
12 h 19 min
